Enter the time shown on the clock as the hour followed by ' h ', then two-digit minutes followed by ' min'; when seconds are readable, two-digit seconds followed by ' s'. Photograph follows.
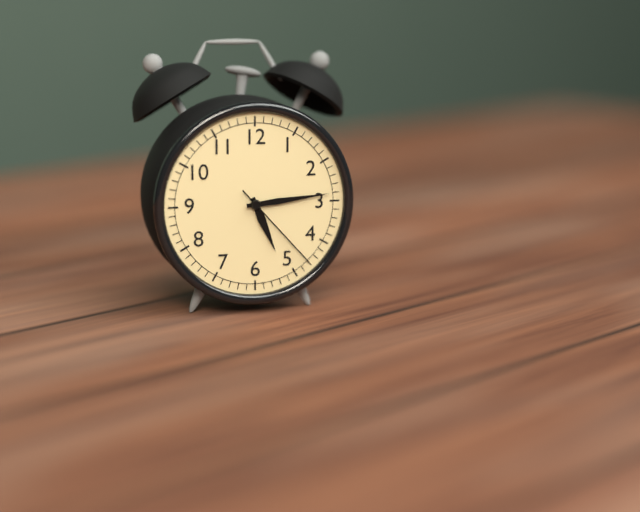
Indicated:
5 h 14 min 23 s
